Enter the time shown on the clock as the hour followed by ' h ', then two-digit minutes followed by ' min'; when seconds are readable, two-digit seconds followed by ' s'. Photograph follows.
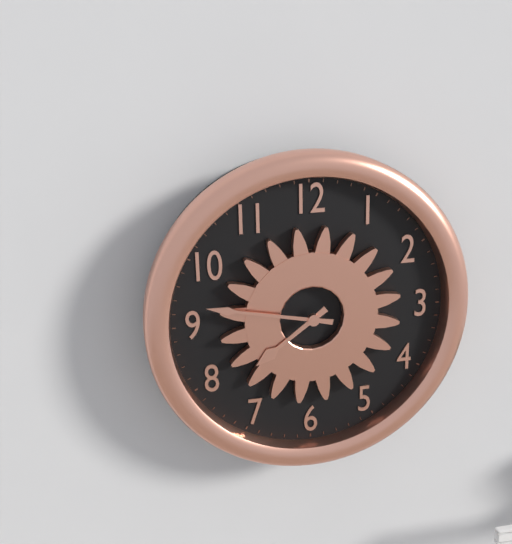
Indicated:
7 h 47 min
